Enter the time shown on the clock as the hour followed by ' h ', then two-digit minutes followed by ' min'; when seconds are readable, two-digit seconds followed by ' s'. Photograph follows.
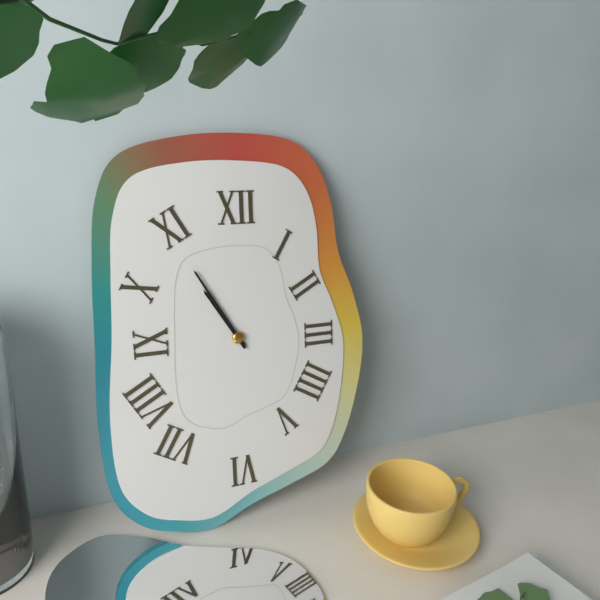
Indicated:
10 h 55 min
